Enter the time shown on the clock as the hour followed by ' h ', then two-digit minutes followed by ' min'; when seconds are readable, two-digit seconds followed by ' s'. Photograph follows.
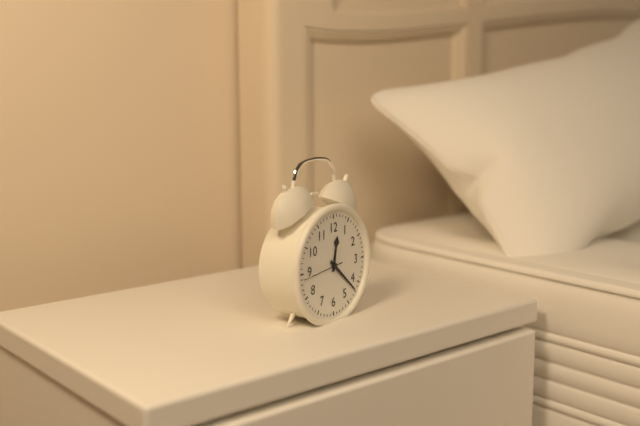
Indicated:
12 h 22 min
